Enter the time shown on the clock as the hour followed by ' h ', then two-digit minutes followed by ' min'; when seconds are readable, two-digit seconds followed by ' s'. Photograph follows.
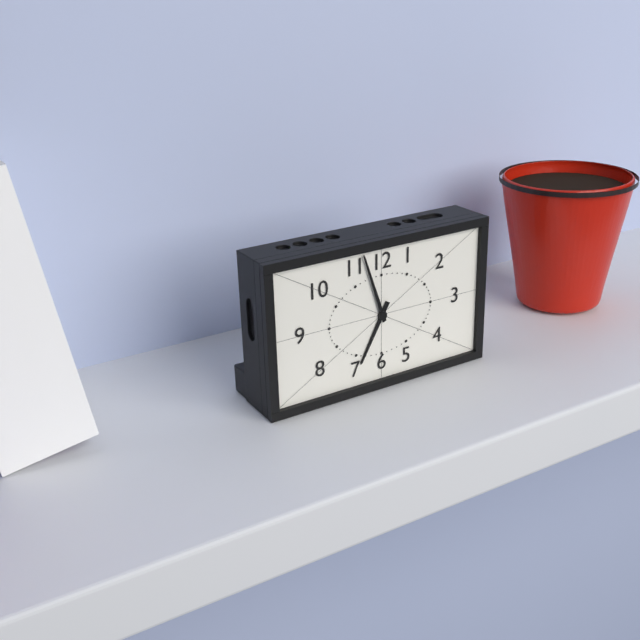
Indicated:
6 h 57 min
